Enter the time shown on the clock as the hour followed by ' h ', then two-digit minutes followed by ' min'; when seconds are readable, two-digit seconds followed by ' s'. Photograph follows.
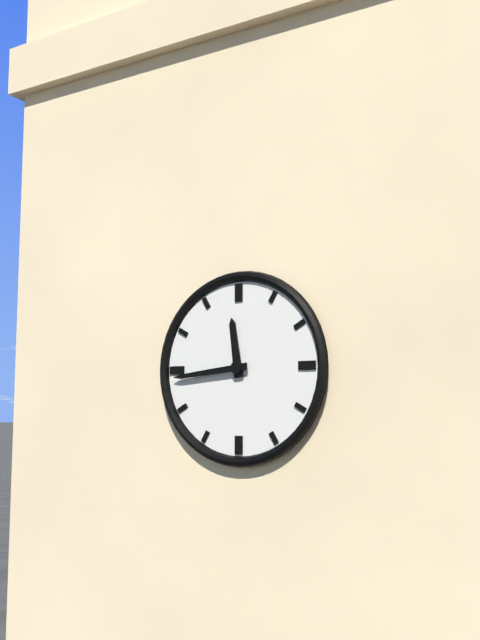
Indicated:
11 h 44 min
